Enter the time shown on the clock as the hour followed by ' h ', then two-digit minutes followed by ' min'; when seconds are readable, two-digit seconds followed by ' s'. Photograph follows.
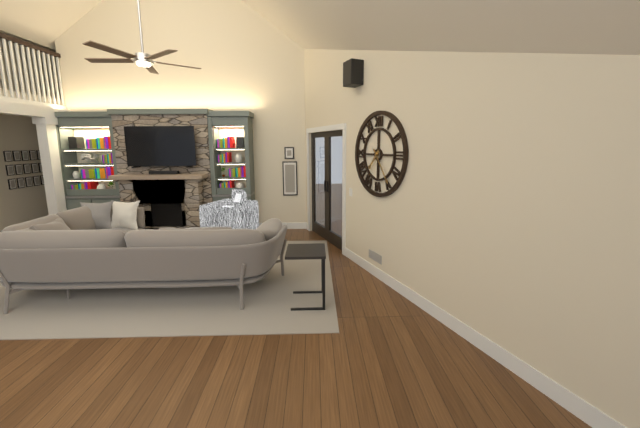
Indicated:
7 h 24 min
